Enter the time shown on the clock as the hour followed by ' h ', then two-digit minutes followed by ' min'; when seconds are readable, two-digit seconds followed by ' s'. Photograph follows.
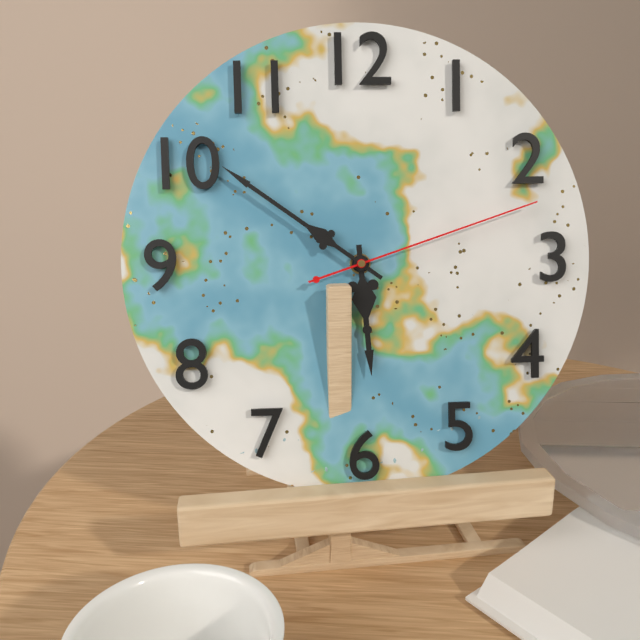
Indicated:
5 h 51 min 12 s
